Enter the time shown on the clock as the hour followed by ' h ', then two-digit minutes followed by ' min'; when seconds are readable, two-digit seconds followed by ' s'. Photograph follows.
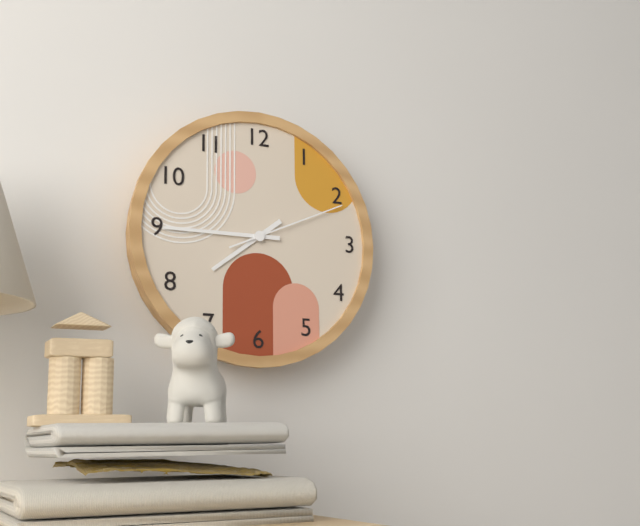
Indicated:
7 h 45 min 11 s
